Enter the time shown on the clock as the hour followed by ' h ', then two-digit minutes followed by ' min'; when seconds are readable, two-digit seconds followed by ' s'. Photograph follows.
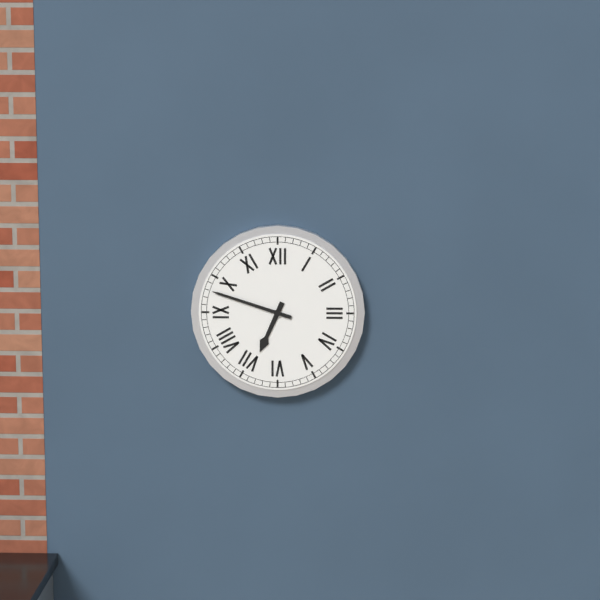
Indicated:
6 h 48 min
